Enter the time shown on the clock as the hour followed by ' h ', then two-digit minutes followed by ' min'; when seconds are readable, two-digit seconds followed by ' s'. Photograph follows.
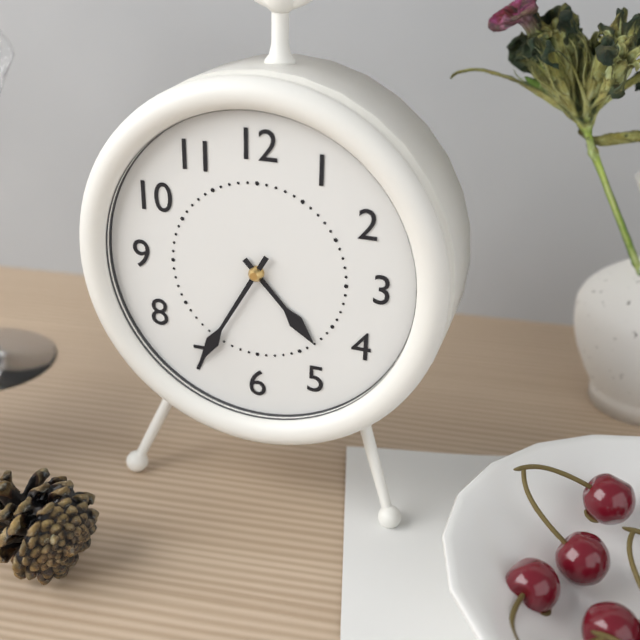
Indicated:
4 h 35 min
